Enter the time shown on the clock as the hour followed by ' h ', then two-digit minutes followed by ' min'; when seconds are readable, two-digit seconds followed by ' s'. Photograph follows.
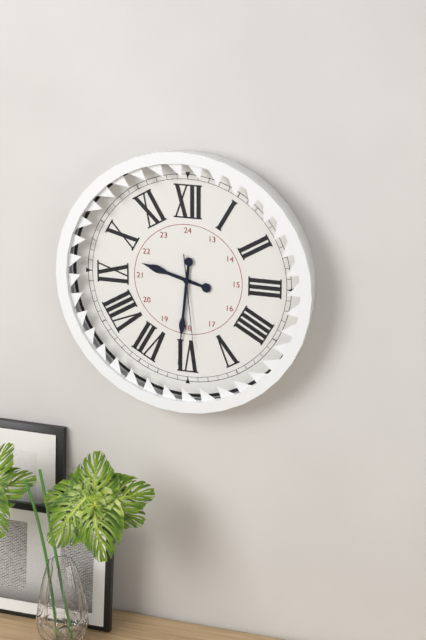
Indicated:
9 h 31 min 29 s
